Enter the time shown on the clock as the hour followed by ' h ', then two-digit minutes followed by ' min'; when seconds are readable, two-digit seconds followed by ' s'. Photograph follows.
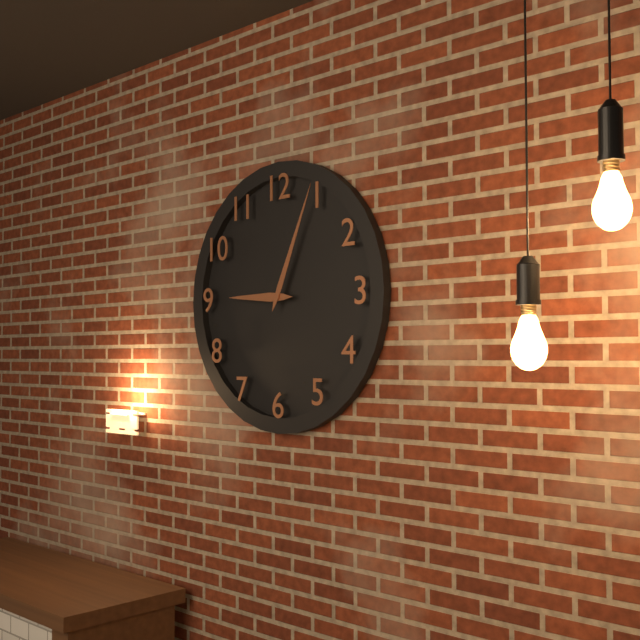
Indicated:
9 h 04 min
